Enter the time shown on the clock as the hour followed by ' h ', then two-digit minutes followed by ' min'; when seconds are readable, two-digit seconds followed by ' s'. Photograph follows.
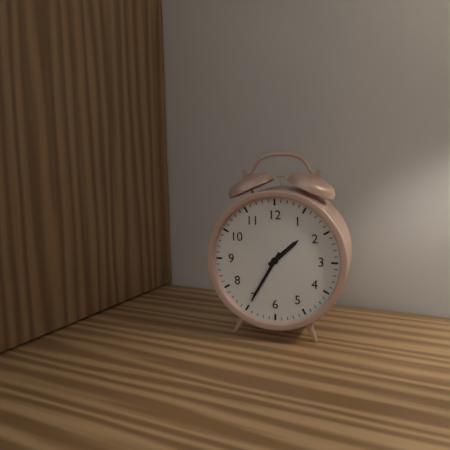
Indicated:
1 h 35 min
